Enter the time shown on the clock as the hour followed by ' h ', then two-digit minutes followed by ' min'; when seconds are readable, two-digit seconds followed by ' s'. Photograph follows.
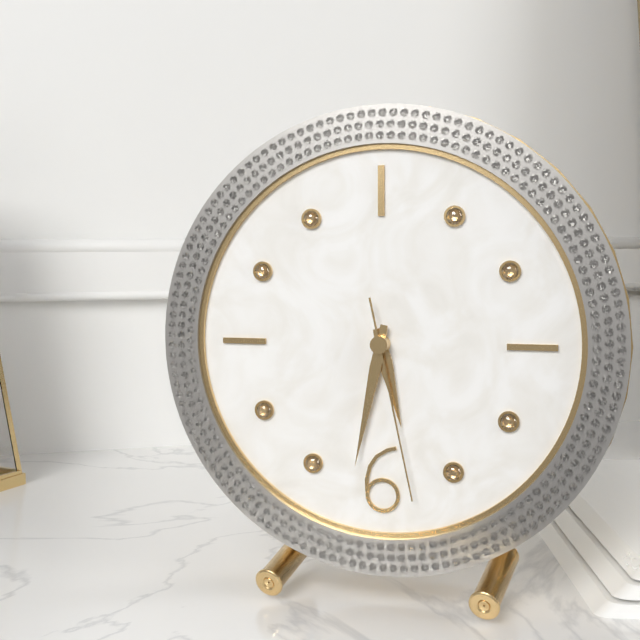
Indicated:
5 h 32 min 28 s
